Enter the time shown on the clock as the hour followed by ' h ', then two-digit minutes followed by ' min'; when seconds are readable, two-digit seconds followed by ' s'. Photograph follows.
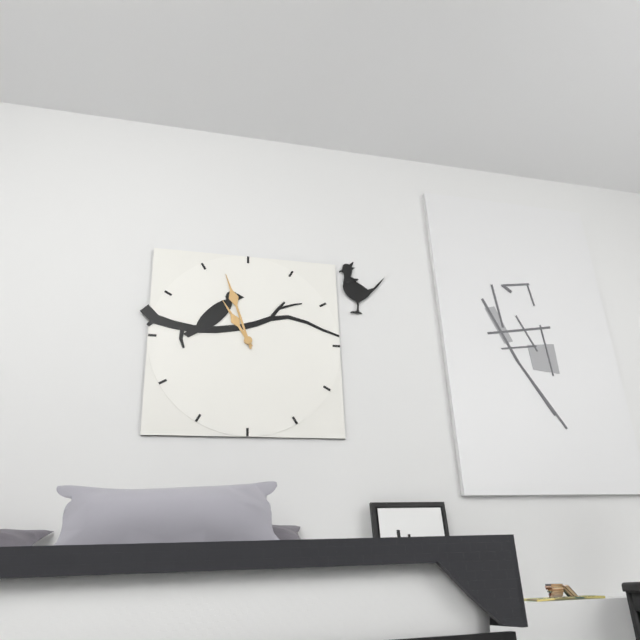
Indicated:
10 h 57 min
